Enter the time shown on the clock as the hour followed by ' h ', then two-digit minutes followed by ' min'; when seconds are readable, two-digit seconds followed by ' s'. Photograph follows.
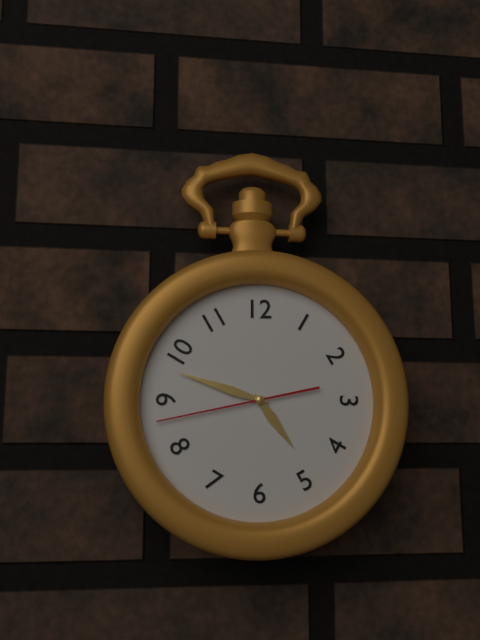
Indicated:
4 h 48 min 43 s
